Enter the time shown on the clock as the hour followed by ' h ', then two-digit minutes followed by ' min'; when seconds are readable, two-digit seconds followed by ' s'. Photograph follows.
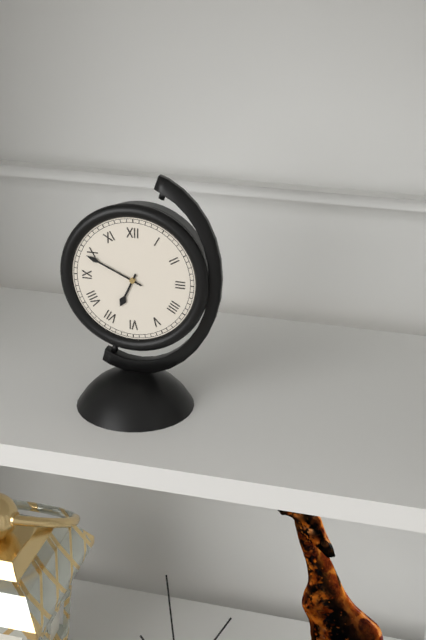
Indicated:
6 h 49 min
